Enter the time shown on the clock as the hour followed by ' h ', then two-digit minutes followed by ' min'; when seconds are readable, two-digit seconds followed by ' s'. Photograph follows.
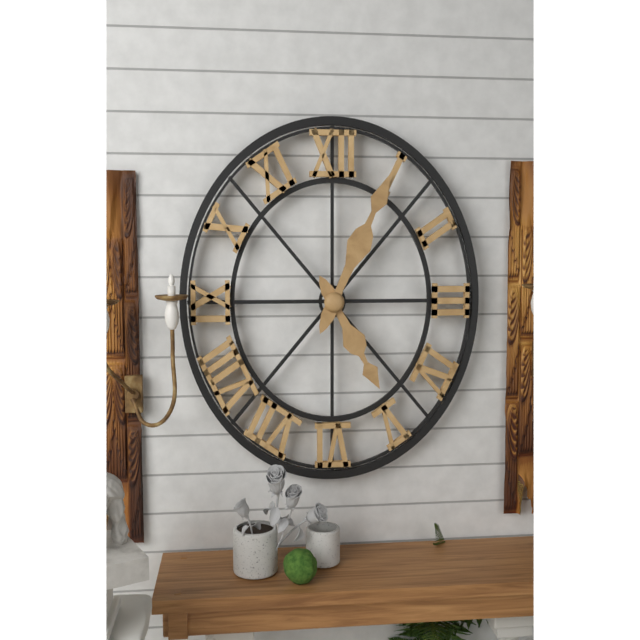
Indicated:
5 h 04 min
